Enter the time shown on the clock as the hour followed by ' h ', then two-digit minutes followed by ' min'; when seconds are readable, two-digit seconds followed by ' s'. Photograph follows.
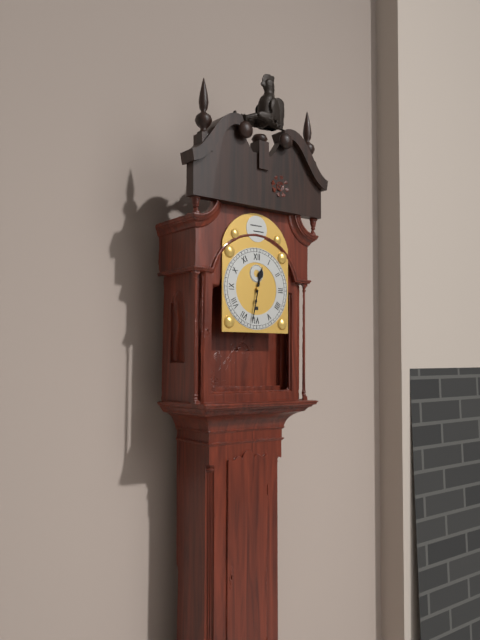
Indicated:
12 h 32 min
